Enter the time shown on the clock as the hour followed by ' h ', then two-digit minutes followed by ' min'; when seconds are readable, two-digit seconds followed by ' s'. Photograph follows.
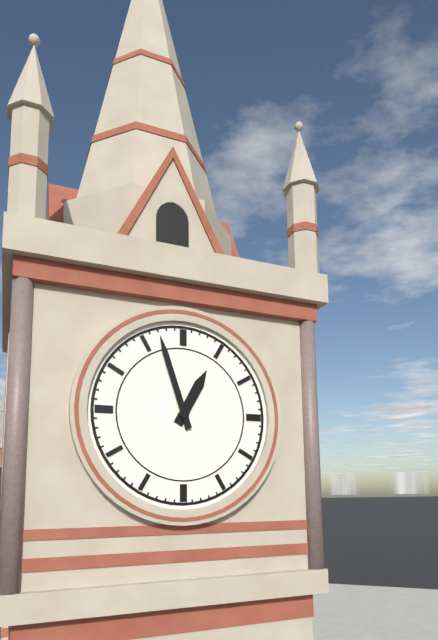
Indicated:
12 h 57 min
